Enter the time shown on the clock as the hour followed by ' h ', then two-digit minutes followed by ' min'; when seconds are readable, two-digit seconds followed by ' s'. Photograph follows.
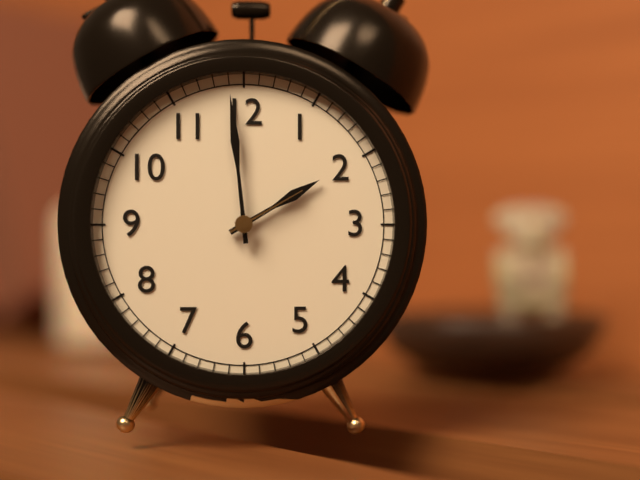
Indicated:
1 h 59 min 10 s
